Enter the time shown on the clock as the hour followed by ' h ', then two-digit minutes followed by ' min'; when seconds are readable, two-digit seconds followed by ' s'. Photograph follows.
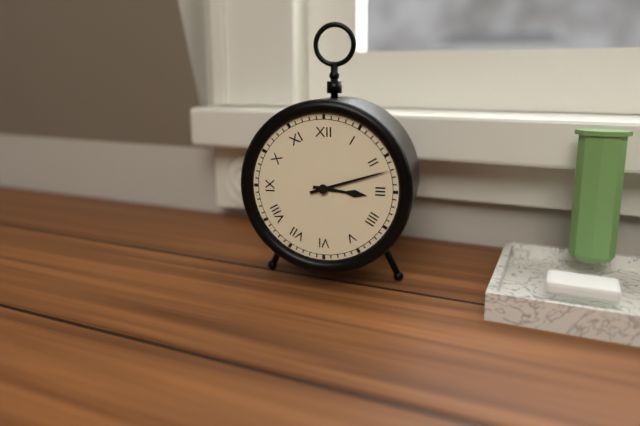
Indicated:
3 h 12 min
